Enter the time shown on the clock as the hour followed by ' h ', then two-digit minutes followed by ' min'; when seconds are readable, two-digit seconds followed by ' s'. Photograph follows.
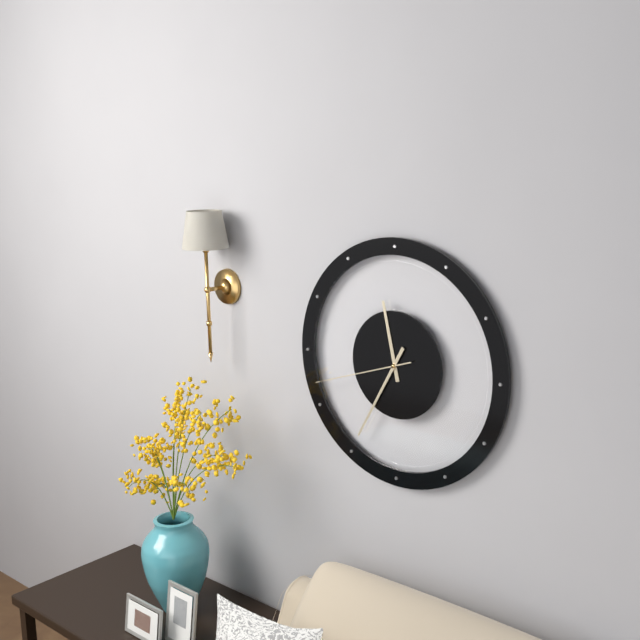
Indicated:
11 h 35 min 42 s
